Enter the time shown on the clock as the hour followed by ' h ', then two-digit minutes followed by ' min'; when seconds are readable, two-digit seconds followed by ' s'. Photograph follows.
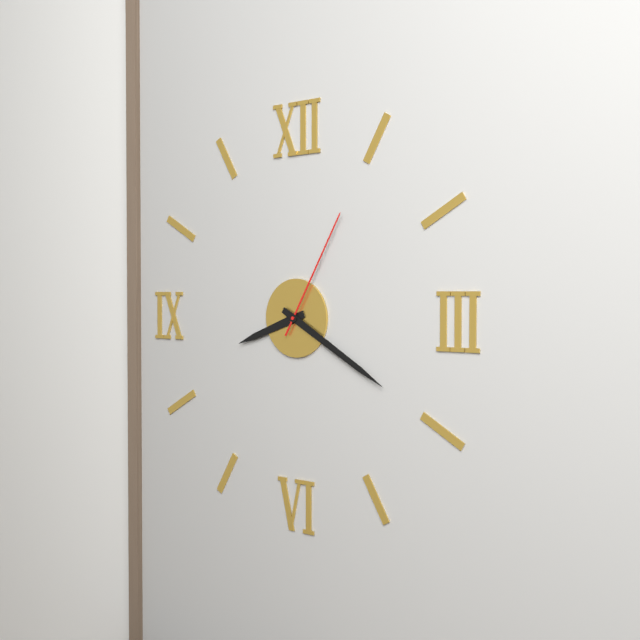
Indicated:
8 h 20 min 05 s
